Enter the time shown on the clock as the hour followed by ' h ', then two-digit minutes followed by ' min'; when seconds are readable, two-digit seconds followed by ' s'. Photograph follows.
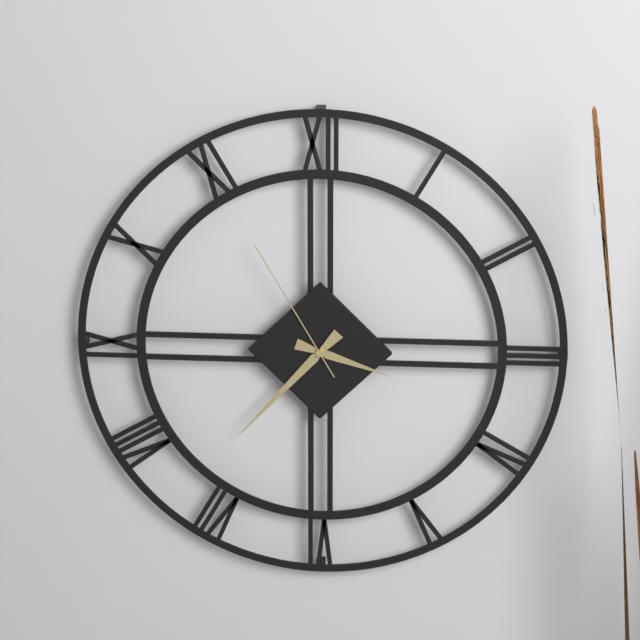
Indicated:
3 h 37 min 55 s
